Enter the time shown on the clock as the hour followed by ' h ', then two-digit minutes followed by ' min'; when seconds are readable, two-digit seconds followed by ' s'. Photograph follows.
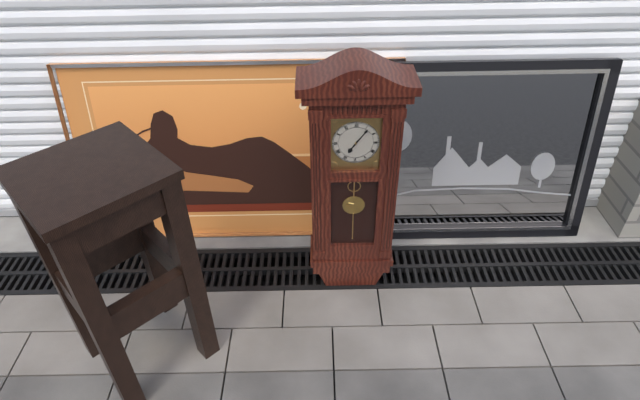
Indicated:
7 h 06 min
